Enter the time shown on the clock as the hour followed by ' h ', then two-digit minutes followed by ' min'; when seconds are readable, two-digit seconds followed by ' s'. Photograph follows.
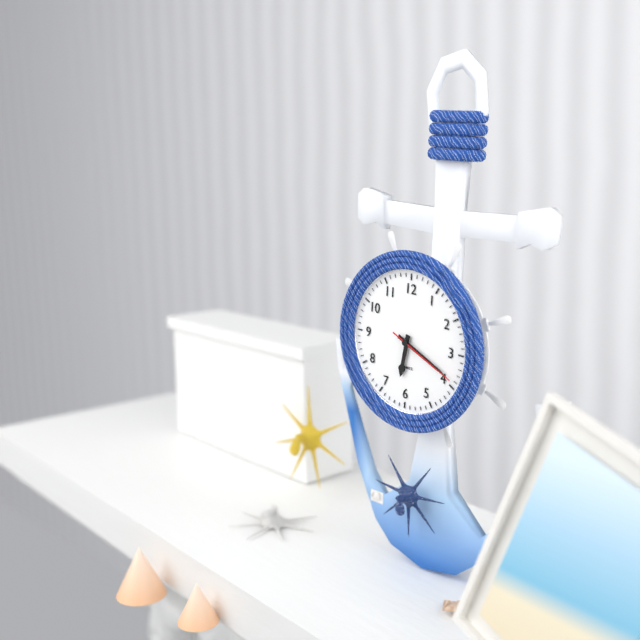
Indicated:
6 h 19 min 19 s
